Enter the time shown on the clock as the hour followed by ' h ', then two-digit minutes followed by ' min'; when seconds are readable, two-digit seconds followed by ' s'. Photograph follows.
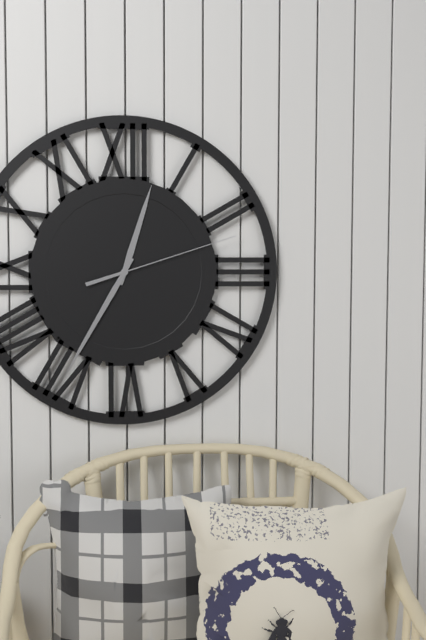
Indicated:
12 h 35 min 12 s
